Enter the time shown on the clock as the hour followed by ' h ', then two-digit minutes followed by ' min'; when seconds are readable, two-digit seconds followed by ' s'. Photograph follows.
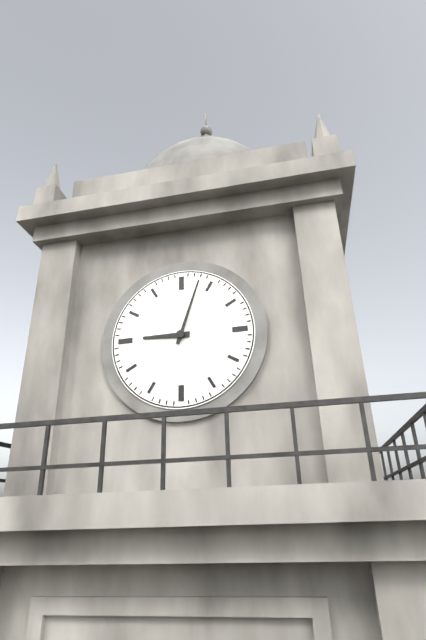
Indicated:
9 h 03 min
